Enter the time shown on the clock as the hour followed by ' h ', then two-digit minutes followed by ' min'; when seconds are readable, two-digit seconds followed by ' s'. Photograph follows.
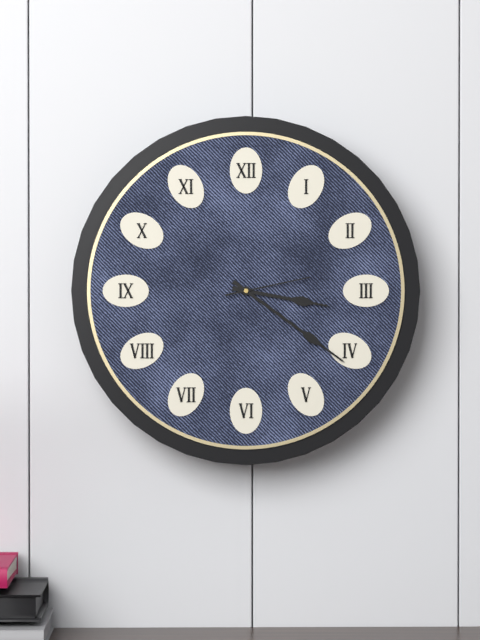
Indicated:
3 h 21 min 13 s
